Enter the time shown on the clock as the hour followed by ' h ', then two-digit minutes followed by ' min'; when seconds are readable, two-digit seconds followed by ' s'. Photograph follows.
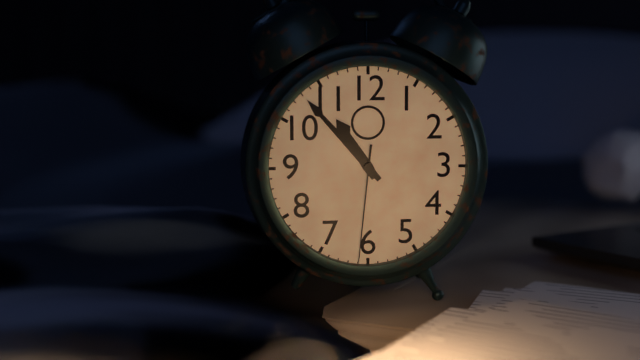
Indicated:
10 h 53 min 31 s
